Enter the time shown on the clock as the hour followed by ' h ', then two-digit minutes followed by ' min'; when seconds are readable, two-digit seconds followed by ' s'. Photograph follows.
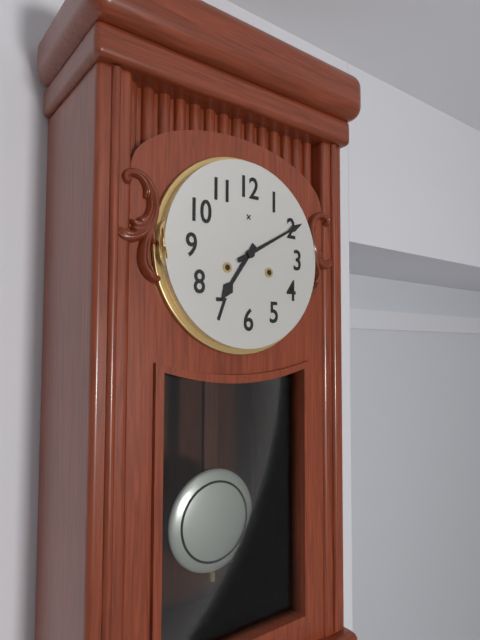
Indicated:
7 h 10 min
